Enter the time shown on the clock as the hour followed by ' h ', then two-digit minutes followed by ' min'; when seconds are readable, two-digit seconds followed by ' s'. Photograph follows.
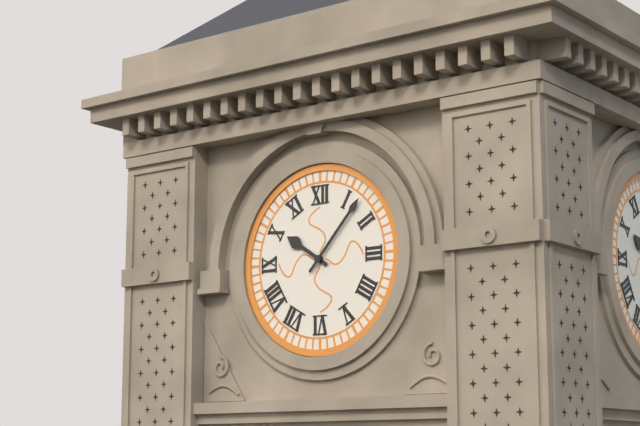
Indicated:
10 h 07 min
